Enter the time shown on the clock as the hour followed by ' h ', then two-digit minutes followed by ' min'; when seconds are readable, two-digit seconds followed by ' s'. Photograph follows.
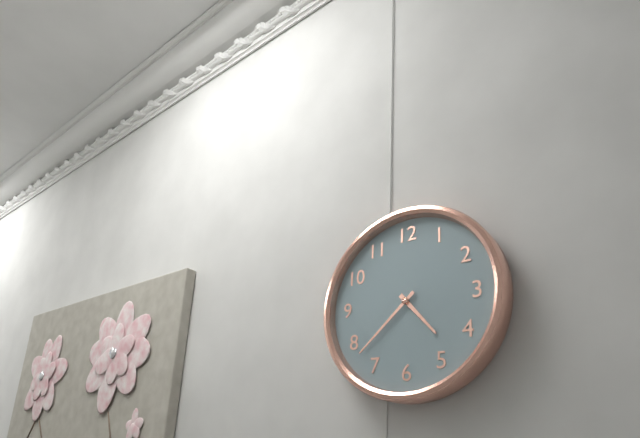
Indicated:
4 h 38 min
